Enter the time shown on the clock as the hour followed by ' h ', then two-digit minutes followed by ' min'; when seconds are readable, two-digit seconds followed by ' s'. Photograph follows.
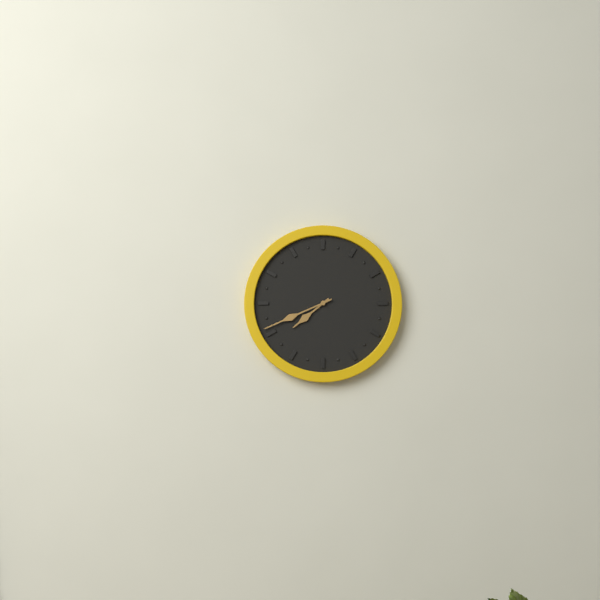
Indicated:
7 h 41 min
